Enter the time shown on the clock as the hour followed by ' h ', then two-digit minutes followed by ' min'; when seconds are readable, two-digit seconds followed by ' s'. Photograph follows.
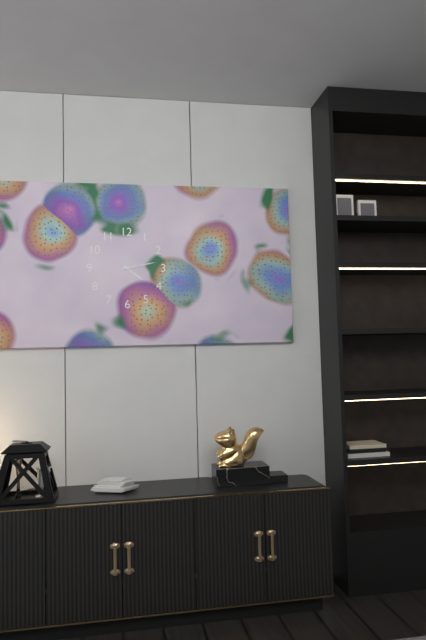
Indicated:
4 h 13 min
